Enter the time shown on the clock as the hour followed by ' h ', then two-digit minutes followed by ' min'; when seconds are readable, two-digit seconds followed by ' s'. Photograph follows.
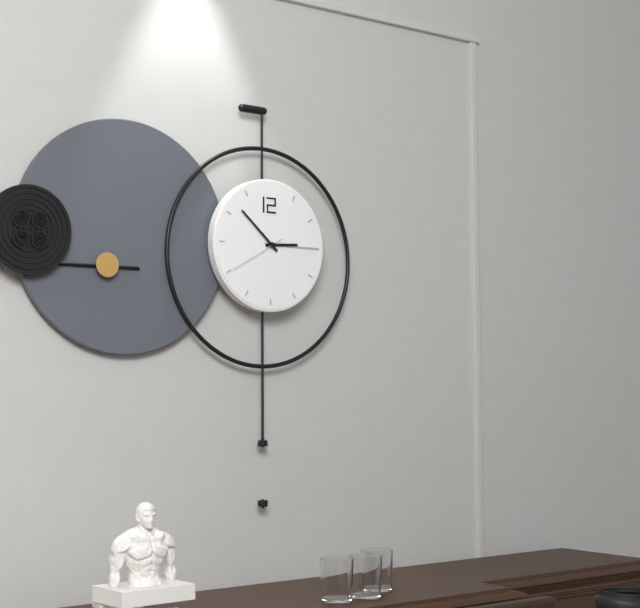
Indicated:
2 h 52 min
